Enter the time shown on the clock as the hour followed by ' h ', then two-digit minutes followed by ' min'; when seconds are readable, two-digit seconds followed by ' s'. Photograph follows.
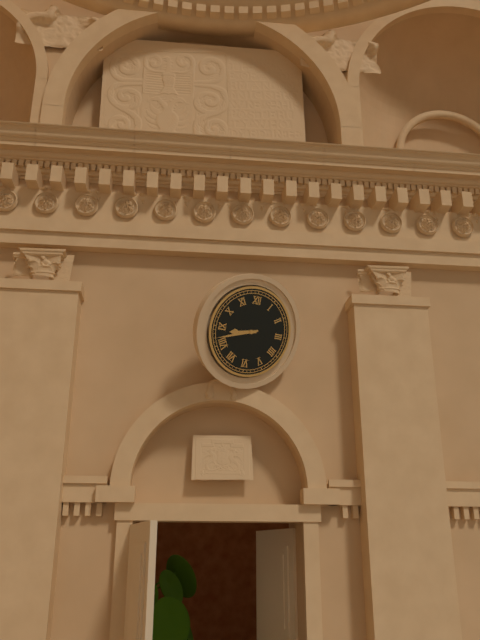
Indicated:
8 h 42 min
